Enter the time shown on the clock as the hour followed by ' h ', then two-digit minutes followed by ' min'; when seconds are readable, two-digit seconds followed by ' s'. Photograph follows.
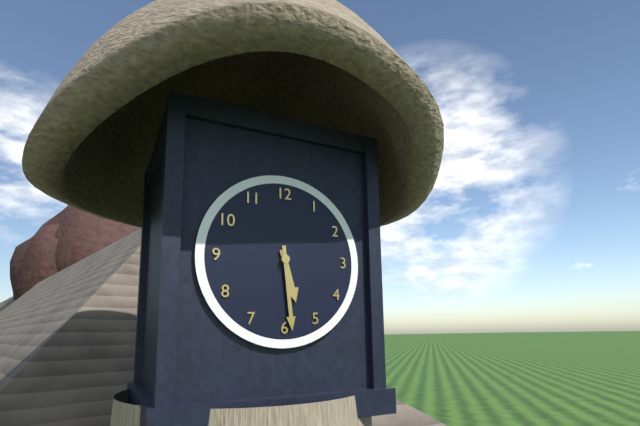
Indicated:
5 h 29 min
